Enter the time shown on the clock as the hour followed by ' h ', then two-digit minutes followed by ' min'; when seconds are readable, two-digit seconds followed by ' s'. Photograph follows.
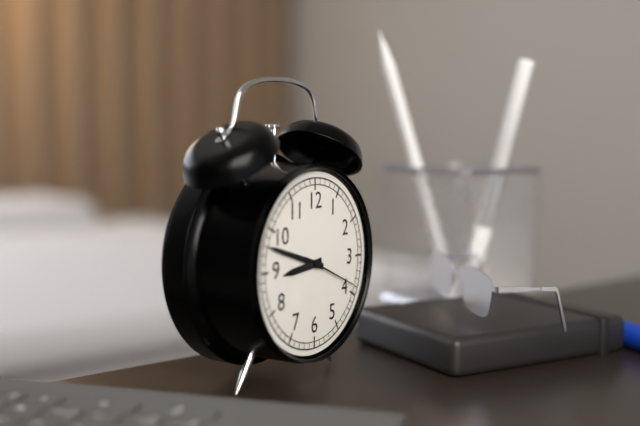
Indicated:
8 h 48 min 19 s
